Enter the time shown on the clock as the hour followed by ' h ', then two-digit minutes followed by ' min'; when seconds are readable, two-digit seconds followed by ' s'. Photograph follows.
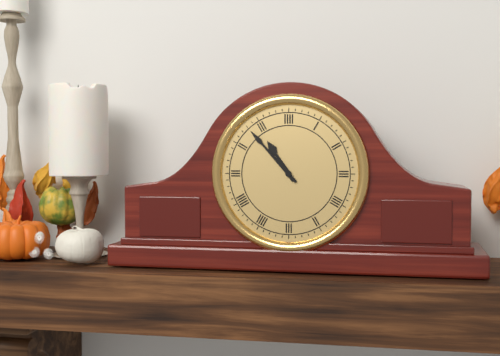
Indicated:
10 h 53 min
